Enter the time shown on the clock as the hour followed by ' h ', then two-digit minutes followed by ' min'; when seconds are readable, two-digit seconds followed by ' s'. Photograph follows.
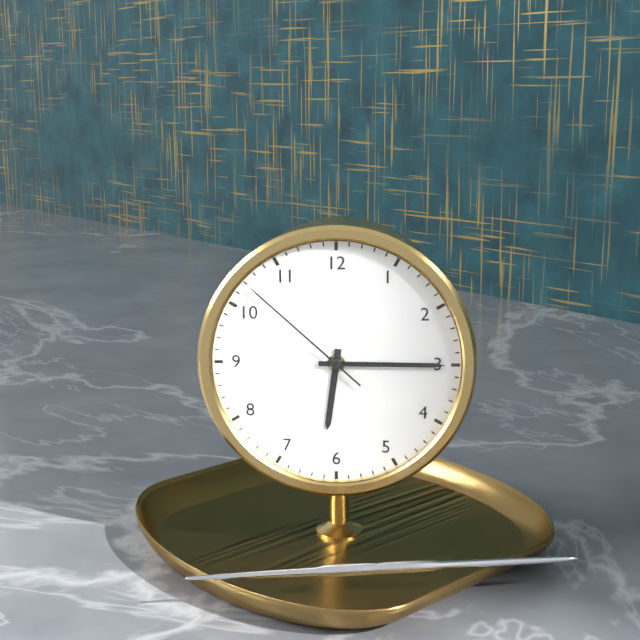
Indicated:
6 h 15 min 52 s
